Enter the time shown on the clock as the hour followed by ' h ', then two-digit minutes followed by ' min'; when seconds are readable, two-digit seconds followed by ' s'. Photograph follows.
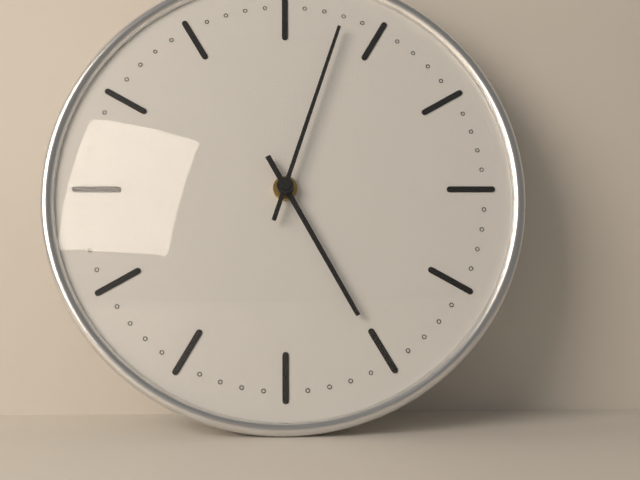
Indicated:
5 h 03 min
